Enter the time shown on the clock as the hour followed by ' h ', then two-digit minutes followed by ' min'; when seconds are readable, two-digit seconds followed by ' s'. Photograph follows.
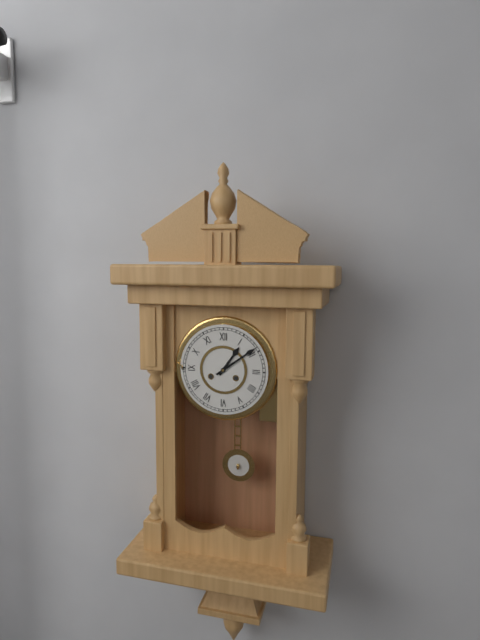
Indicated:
1 h 09 min
